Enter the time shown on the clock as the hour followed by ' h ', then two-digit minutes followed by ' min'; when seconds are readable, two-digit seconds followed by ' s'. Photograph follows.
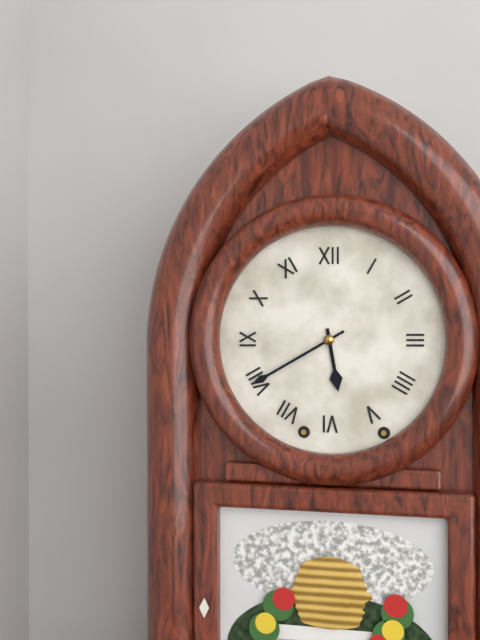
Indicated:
5 h 40 min
